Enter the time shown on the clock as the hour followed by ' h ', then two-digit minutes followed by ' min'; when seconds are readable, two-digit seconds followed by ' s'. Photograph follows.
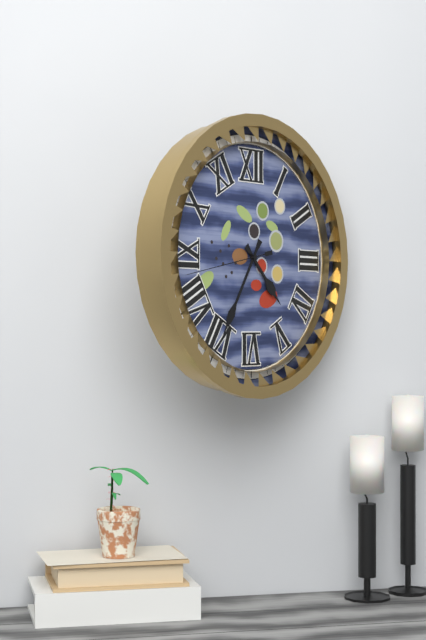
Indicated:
4 h 35 min 43 s
